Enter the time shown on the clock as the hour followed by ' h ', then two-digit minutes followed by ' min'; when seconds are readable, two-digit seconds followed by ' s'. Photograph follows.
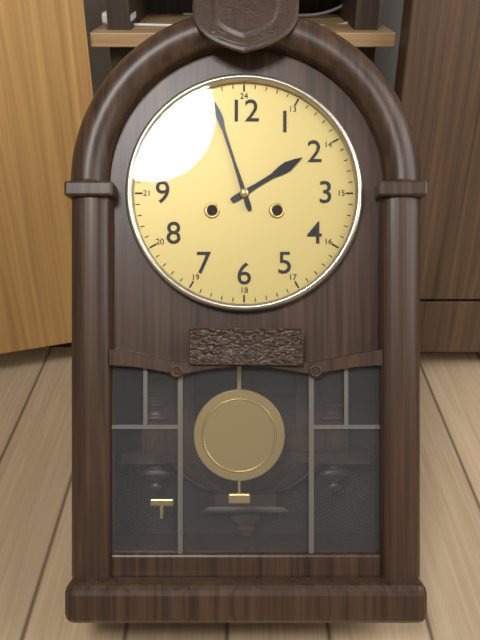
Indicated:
1 h 57 min
